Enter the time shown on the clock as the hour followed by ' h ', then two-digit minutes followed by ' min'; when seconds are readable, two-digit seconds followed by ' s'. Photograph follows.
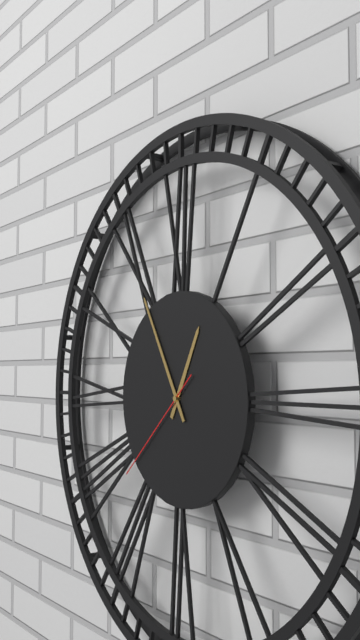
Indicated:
12 h 55 min 38 s
